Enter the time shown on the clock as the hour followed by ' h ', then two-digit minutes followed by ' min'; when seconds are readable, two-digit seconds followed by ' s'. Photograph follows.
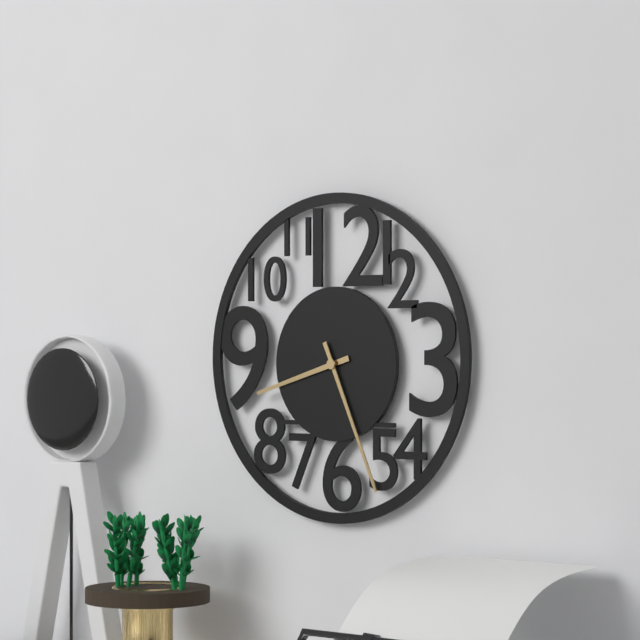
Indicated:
8 h 26 min
